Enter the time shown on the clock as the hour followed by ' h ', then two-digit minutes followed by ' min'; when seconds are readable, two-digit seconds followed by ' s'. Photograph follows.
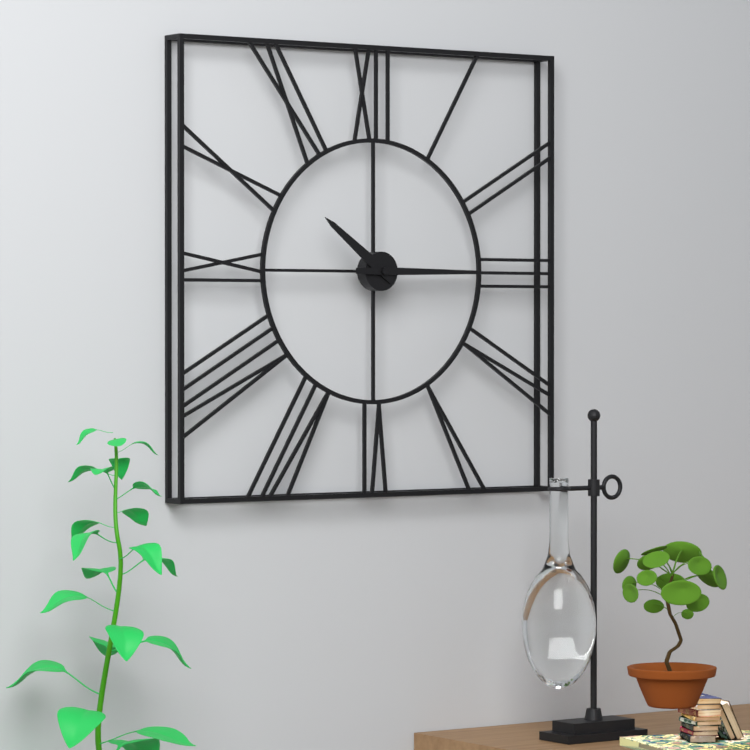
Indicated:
10 h 15 min
